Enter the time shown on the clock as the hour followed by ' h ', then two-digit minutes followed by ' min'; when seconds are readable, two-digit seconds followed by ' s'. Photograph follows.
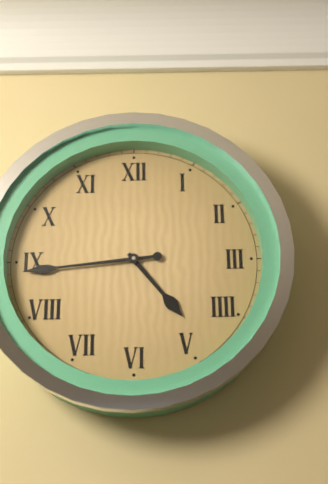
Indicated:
4 h 44 min
